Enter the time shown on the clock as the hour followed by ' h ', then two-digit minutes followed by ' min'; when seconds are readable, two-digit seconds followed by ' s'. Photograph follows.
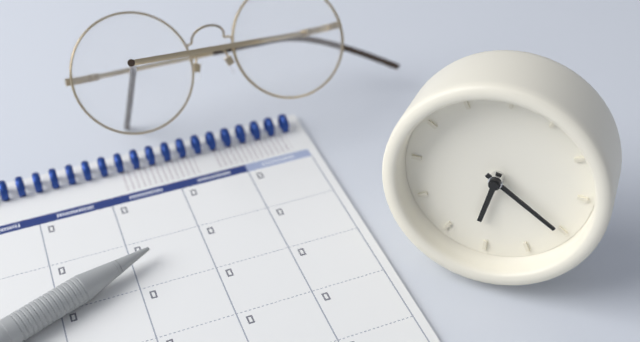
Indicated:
6 h 20 min
